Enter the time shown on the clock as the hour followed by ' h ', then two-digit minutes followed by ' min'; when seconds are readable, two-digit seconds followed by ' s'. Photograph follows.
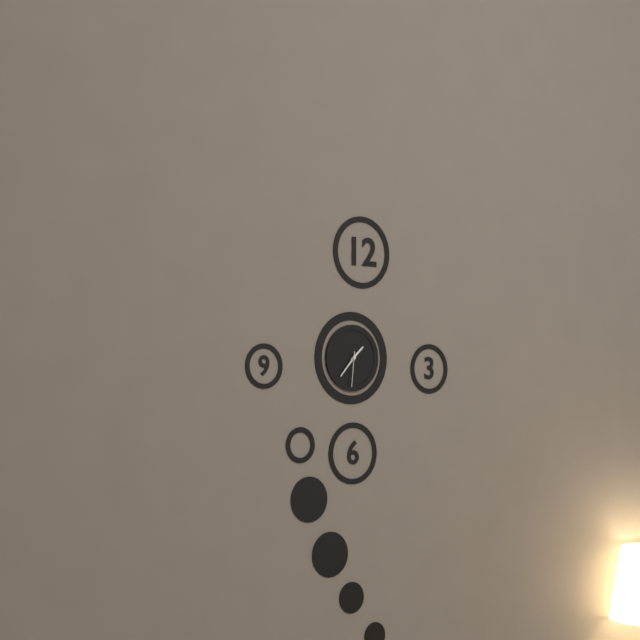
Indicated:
1 h 37 min
